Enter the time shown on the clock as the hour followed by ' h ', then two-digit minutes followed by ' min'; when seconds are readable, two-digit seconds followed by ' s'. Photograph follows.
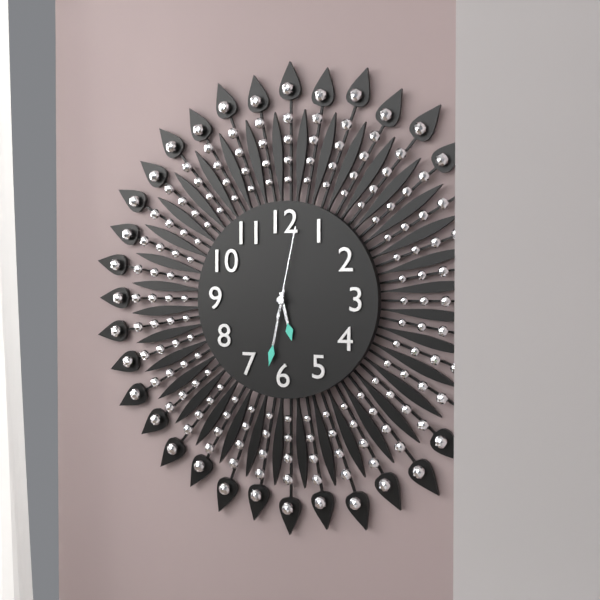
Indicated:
5 h 32 min 02 s
